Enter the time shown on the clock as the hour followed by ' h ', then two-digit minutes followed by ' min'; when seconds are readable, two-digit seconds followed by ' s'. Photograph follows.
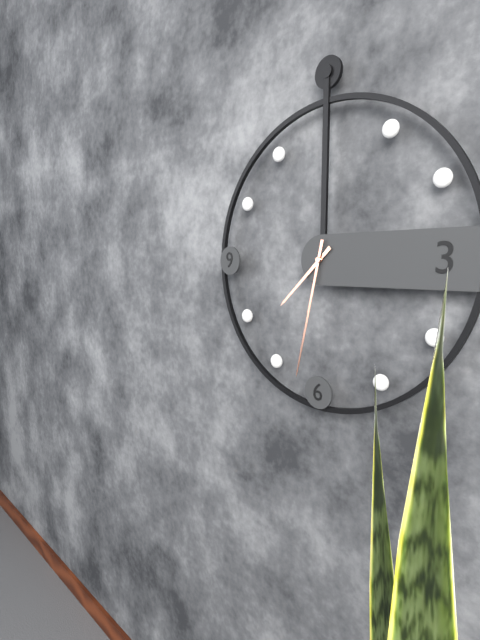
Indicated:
7 h 32 min
